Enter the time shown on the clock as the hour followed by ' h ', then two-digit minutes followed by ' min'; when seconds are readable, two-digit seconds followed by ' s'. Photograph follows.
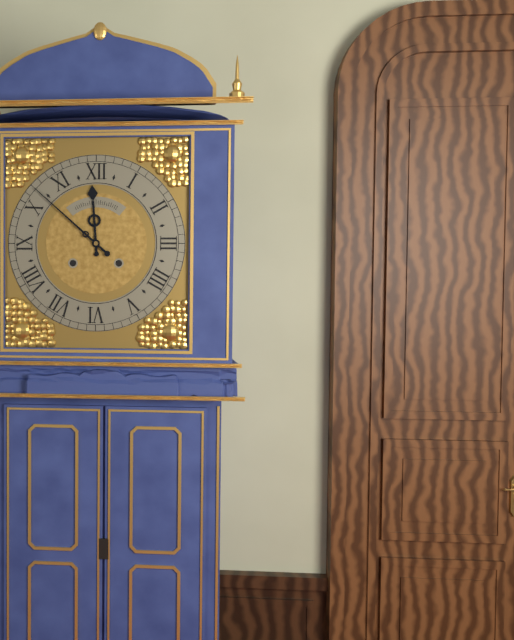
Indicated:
11 h 52 min
